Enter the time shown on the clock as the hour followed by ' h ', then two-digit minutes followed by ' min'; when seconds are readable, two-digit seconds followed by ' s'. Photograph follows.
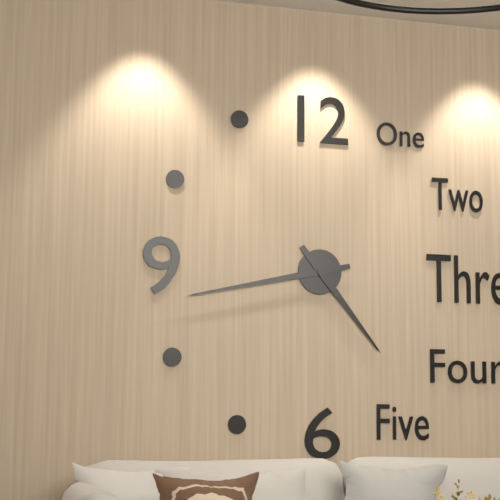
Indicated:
4 h 43 min
